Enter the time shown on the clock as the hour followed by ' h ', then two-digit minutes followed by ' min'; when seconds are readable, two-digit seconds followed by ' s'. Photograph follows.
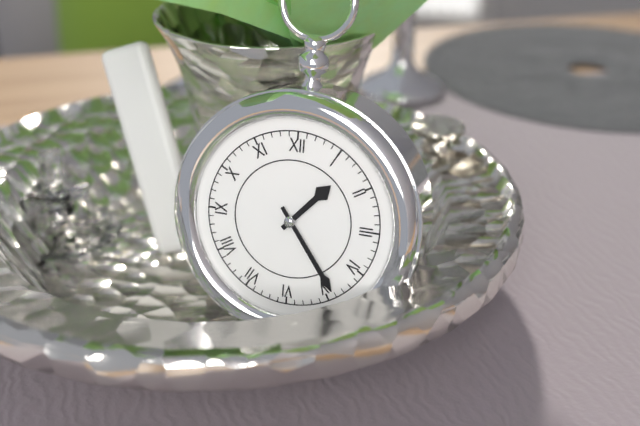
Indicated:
1 h 24 min
